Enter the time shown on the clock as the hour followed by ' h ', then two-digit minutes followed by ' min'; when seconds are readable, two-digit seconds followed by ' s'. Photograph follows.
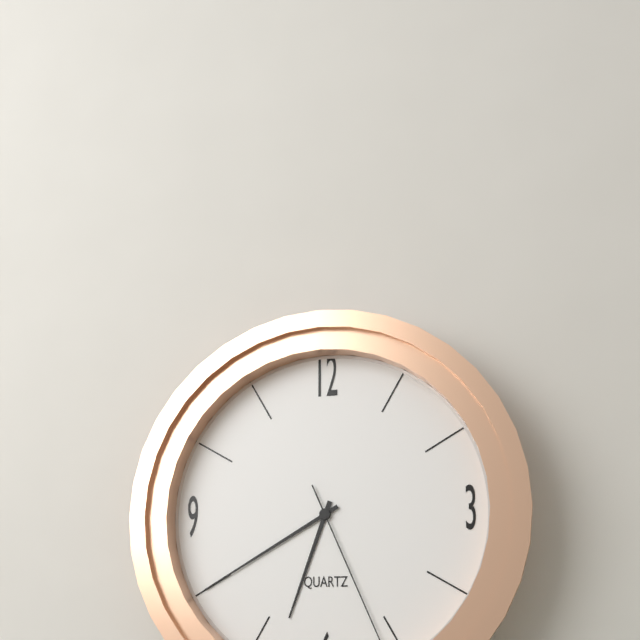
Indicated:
6 h 40 min
